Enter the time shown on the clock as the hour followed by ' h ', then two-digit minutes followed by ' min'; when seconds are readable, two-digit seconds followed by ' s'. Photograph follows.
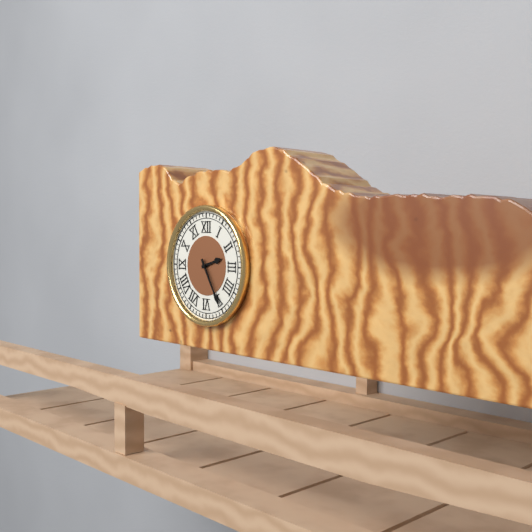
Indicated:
2 h 25 min
